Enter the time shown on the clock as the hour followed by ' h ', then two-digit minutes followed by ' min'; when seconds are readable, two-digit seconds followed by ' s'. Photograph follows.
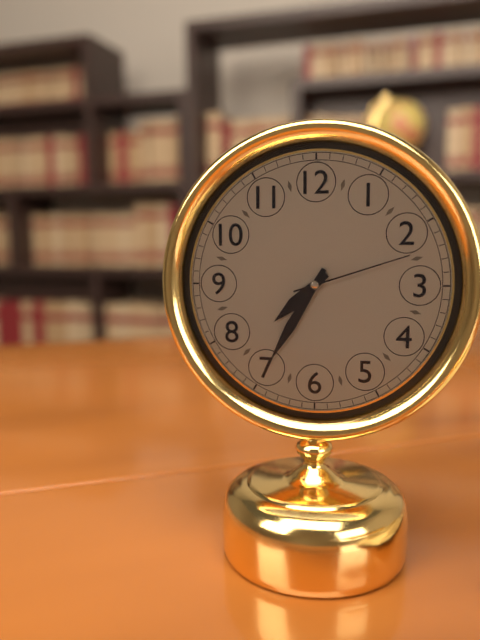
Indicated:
7 h 35 min 12 s
